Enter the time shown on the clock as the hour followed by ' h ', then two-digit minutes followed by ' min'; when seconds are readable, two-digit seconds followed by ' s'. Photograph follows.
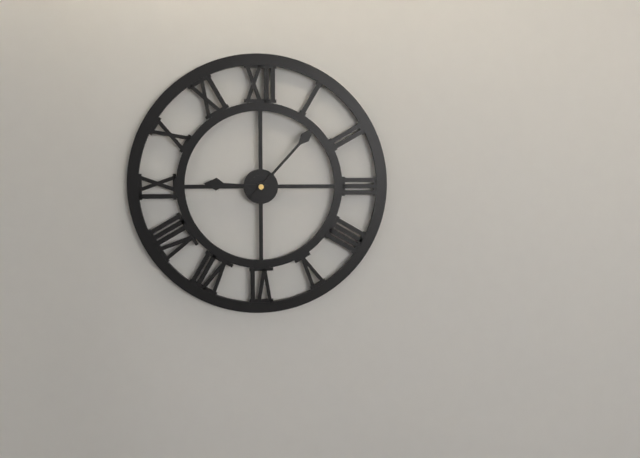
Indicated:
9 h 07 min
